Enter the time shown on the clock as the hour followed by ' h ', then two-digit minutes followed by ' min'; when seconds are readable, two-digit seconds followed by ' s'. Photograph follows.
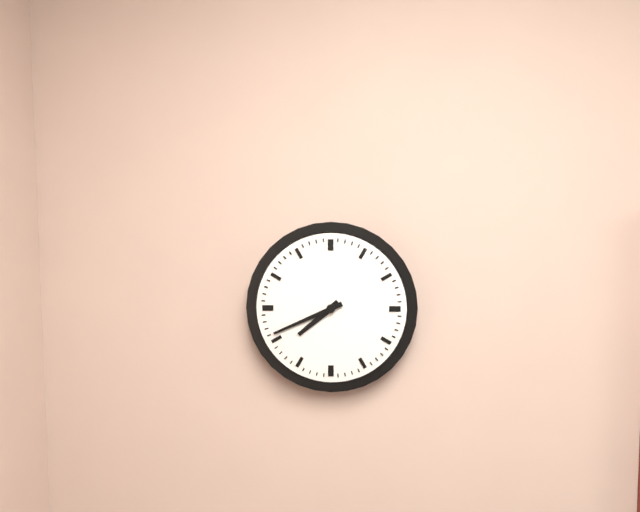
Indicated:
7 h 41 min
